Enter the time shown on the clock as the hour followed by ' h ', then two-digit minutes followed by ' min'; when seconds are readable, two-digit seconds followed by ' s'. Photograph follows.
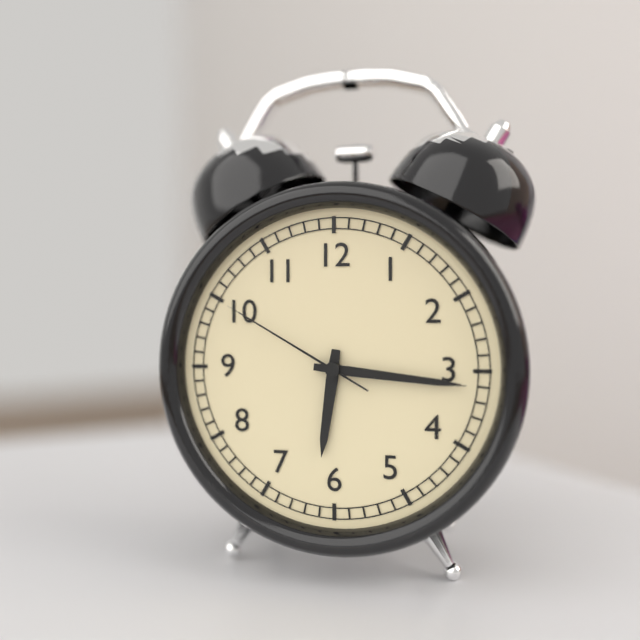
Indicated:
6 h 16 min 50 s
